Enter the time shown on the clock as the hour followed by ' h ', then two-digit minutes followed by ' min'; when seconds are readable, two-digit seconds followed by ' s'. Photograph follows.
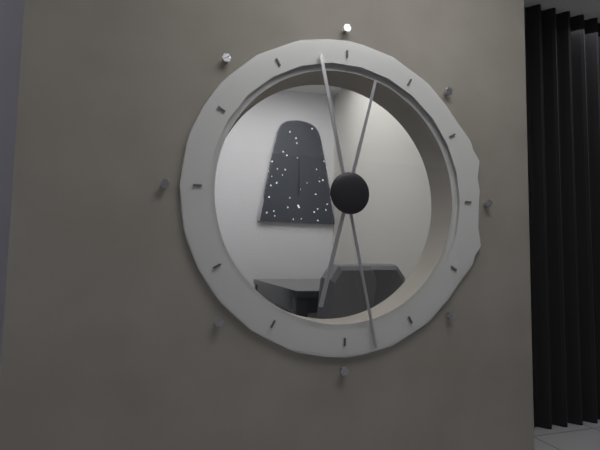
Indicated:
12 h 28 min
